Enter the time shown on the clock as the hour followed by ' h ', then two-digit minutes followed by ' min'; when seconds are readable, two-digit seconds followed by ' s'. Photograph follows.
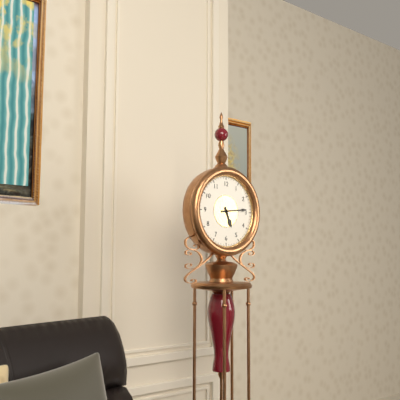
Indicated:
5 h 14 min
